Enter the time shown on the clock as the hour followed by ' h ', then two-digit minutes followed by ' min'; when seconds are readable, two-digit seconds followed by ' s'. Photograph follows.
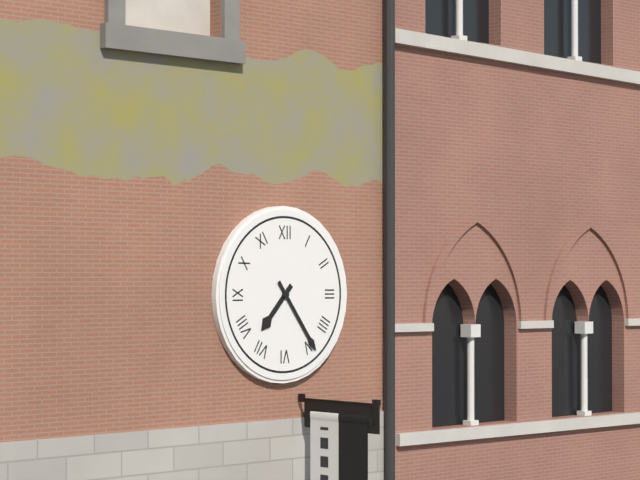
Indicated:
7 h 24 min
